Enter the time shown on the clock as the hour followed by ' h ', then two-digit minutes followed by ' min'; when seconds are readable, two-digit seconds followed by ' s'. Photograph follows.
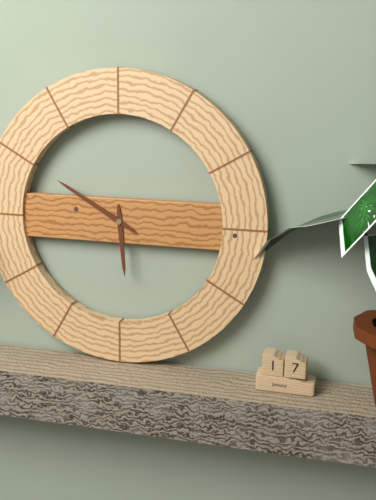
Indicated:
5 h 50 min
